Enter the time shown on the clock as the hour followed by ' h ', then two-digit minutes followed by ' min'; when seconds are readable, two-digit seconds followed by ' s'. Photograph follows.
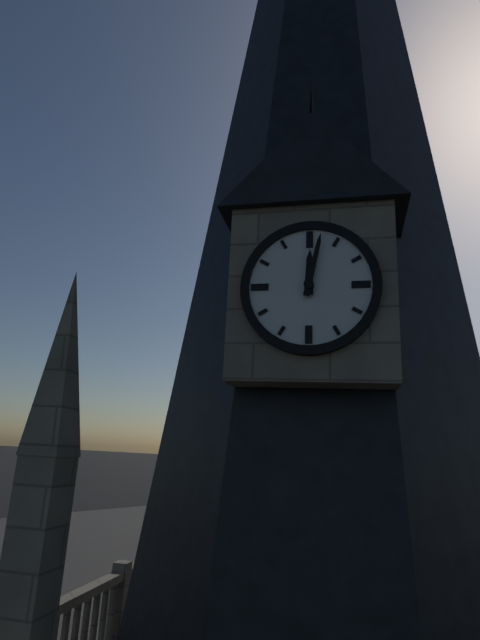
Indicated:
12 h 02 min
